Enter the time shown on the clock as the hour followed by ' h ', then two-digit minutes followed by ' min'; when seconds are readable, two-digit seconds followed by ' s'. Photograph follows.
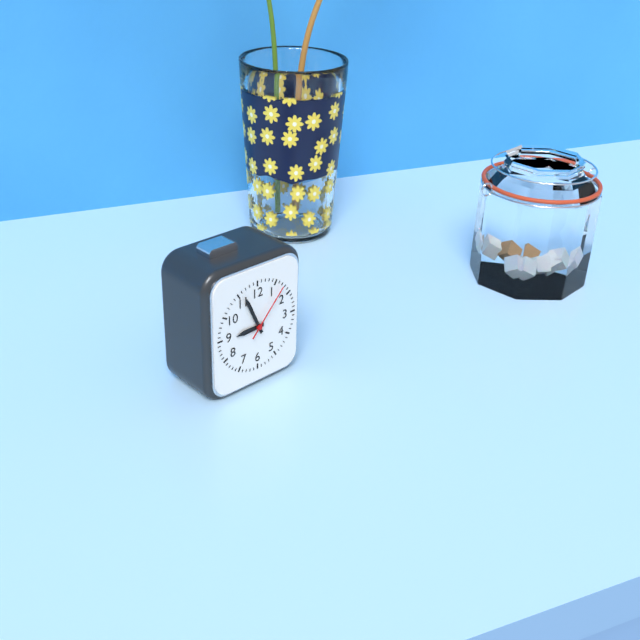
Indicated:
8 h 56 min 07 s
